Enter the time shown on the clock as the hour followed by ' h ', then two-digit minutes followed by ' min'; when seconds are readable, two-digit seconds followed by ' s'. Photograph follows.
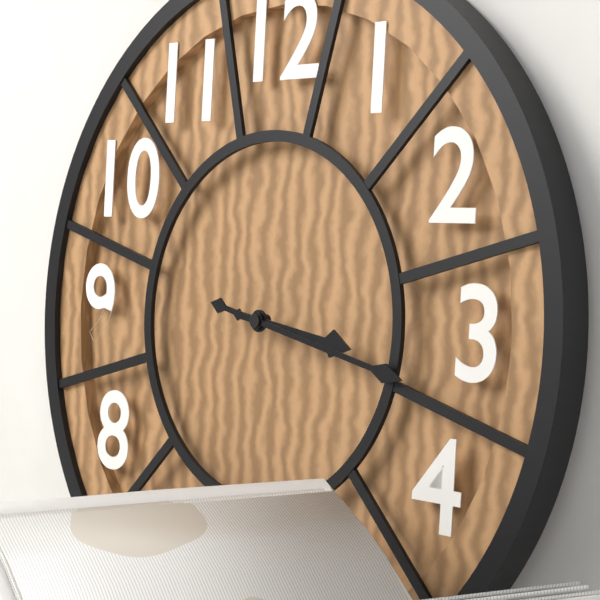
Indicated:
3 h 17 min
